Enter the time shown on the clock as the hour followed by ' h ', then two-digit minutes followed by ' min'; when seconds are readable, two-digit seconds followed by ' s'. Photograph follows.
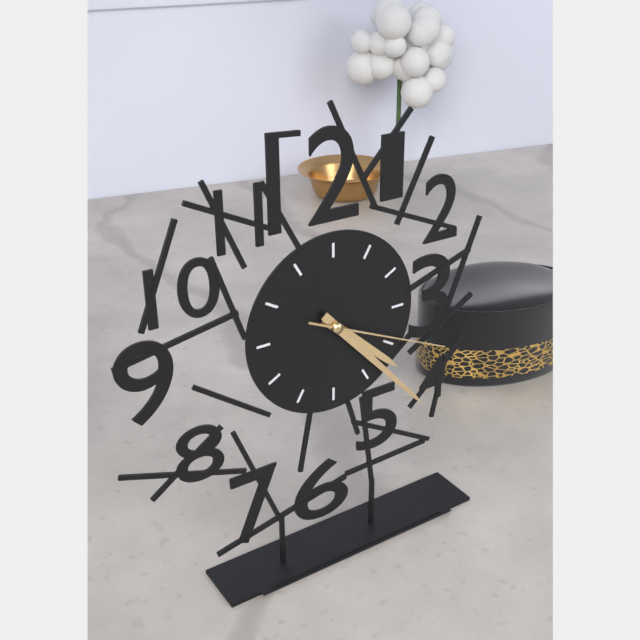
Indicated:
4 h 23 min 19 s
